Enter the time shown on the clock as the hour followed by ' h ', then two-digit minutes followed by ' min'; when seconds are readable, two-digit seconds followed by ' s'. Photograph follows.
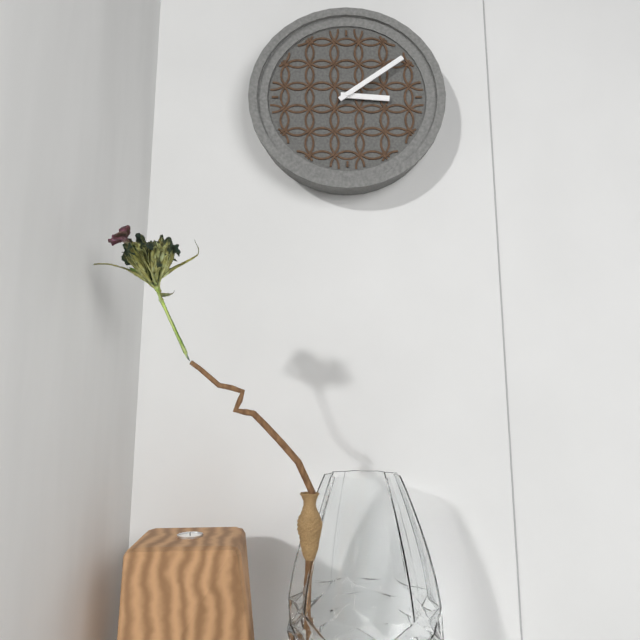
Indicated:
3 h 09 min
